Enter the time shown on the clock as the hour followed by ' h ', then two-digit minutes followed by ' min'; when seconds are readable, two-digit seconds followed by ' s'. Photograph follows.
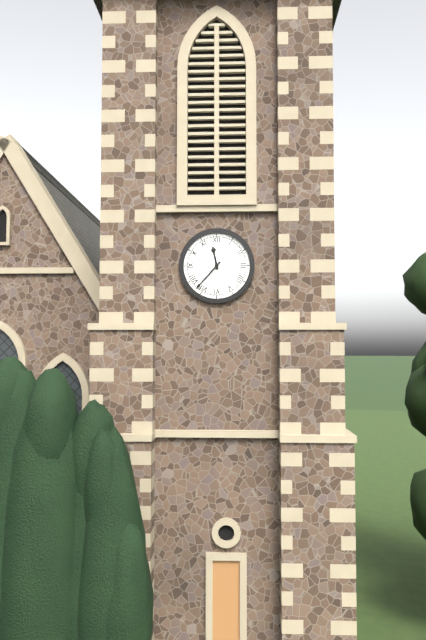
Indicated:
11 h 37 min
